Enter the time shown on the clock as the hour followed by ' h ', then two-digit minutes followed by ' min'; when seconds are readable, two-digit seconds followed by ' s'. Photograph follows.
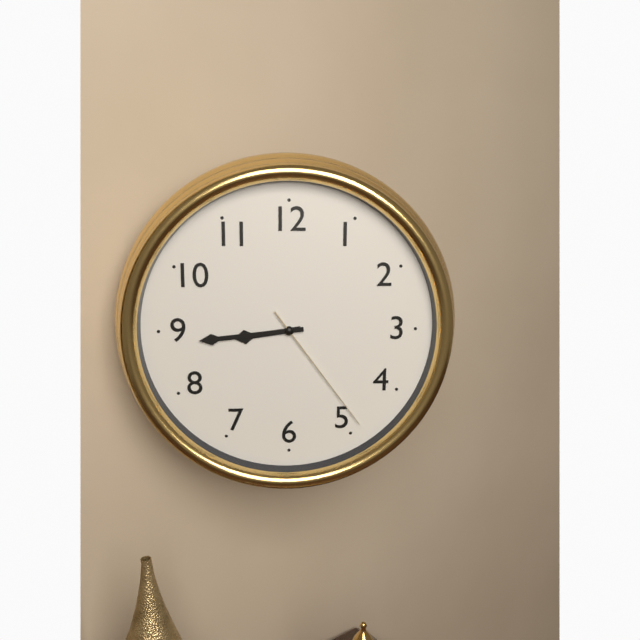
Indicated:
8 h 44 min 24 s
